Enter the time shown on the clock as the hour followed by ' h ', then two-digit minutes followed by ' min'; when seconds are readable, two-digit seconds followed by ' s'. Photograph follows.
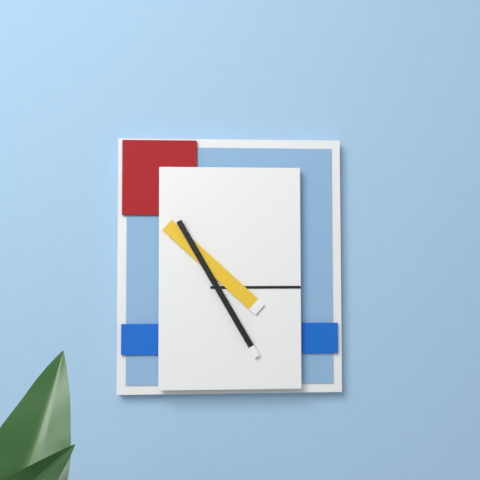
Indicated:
4 h 25 min
